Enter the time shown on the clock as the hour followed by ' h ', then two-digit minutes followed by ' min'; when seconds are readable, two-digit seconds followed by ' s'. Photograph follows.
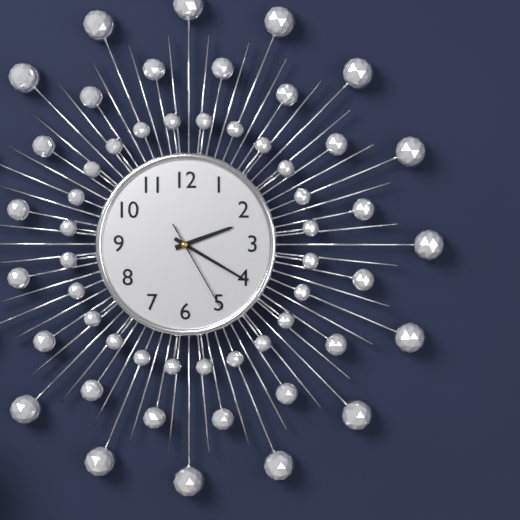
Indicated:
2 h 20 min 25 s
